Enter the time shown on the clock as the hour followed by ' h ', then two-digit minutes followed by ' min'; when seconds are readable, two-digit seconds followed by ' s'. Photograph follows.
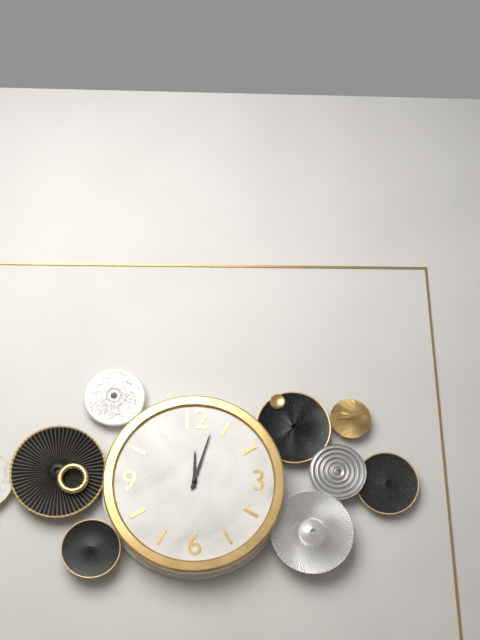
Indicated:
12 h 03 min
